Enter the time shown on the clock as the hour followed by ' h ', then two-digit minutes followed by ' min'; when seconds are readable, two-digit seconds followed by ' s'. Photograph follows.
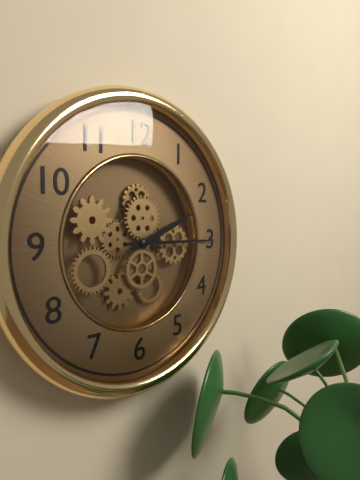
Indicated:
2 h 15 min
